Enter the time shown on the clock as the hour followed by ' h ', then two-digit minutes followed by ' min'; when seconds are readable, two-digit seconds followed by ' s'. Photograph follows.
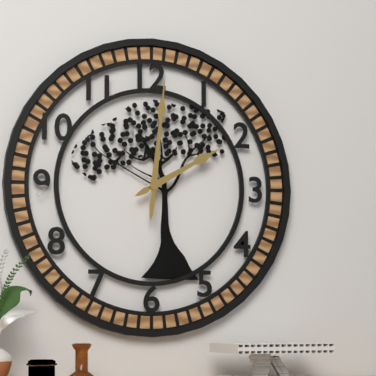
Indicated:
2 h 01 min
